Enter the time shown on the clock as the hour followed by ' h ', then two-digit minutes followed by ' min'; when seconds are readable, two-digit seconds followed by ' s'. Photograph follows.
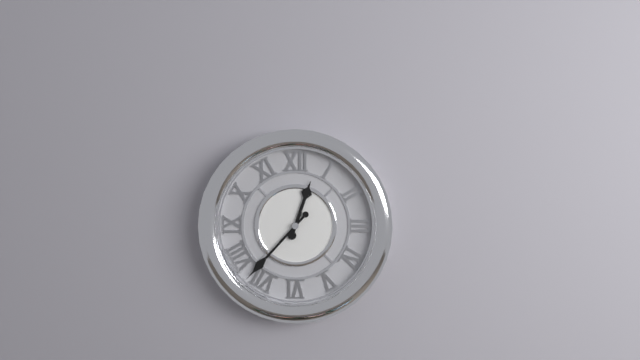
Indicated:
12 h 37 min
